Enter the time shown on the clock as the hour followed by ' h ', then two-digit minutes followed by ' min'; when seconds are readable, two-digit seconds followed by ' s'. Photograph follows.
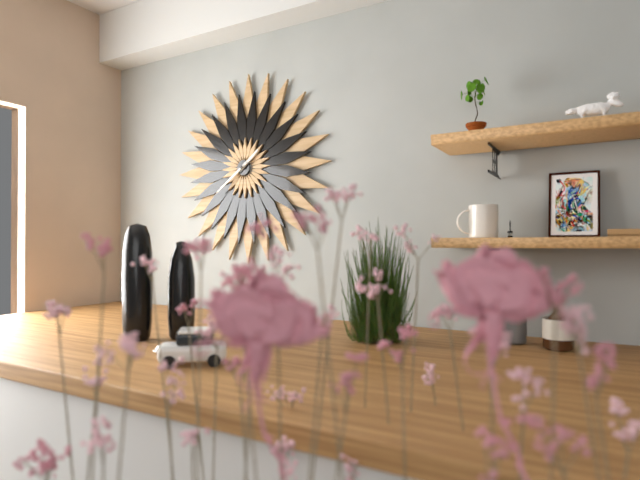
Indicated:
1 h 39 min
